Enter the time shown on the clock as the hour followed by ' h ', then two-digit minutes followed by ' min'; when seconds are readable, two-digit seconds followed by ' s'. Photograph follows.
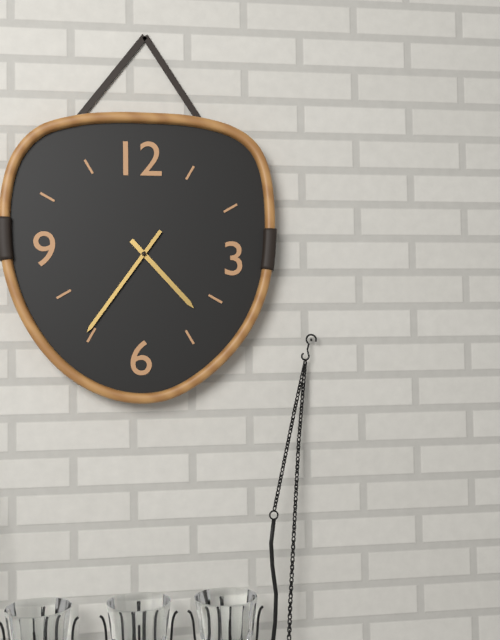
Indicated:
4 h 36 min
